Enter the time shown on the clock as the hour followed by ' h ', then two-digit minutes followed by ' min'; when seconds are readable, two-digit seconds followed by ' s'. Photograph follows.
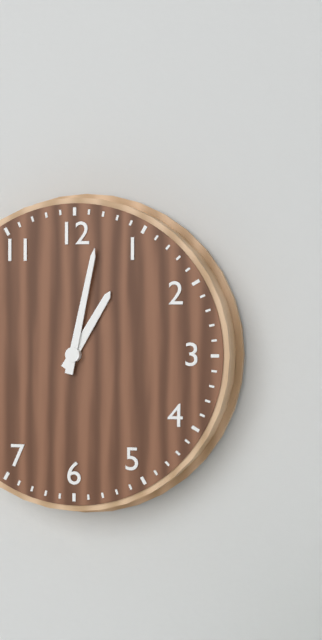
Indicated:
1 h 02 min
